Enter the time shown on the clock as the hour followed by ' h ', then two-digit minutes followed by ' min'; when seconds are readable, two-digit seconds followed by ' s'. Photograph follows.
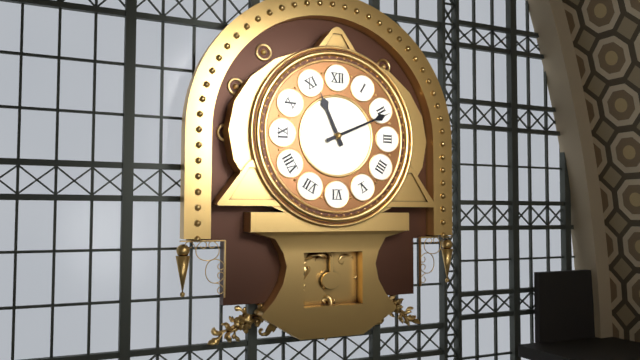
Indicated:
11 h 11 min
